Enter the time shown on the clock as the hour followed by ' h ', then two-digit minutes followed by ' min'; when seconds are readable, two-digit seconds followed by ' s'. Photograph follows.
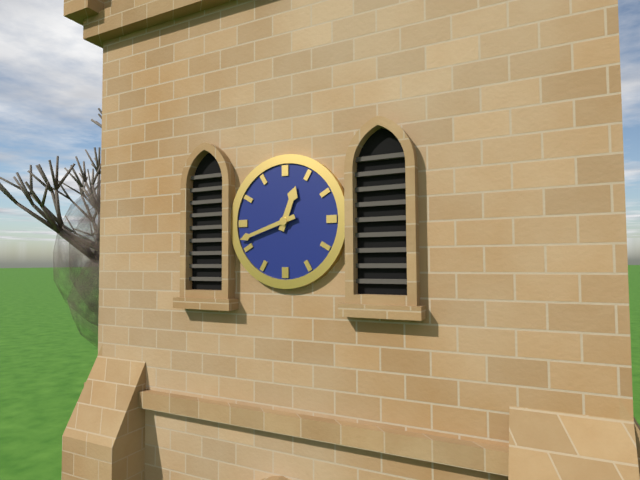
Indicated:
12 h 42 min
